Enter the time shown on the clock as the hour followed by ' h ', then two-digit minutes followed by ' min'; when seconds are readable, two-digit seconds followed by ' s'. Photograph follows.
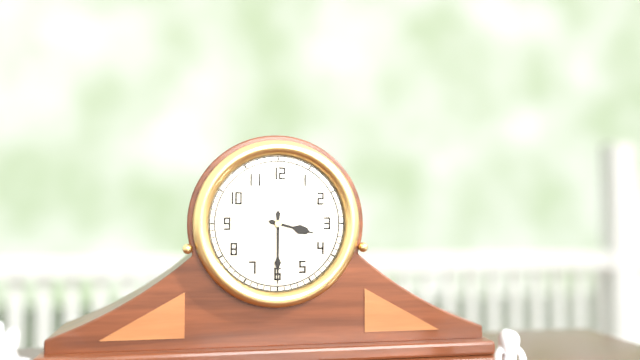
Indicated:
3 h 30 min
